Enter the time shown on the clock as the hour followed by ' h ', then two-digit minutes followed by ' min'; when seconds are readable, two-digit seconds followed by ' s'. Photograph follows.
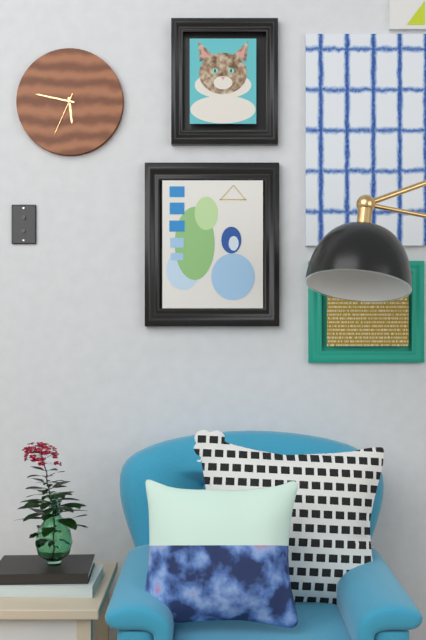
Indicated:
5 h 47 min
